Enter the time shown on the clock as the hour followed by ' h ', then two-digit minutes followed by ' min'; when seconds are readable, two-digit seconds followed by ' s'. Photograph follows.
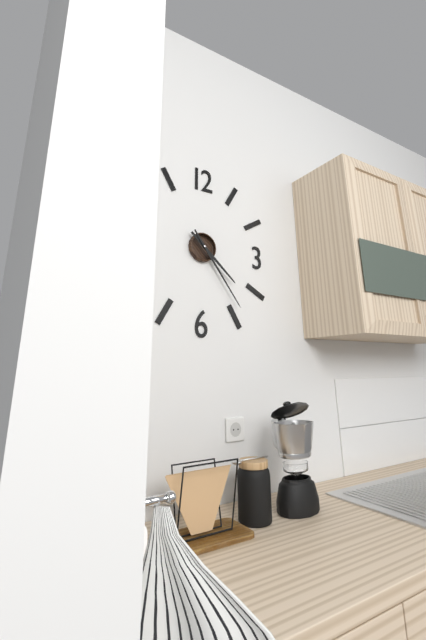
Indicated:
4 h 24 min
